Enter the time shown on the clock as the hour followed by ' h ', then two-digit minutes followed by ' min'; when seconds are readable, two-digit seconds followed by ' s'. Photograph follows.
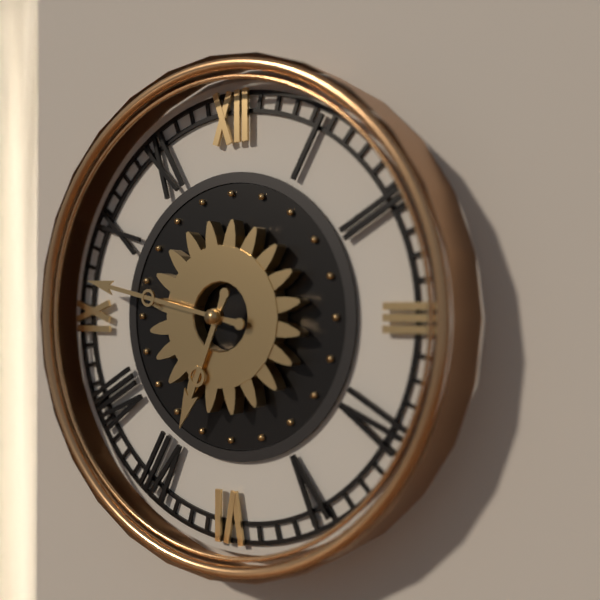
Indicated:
6 h 47 min
